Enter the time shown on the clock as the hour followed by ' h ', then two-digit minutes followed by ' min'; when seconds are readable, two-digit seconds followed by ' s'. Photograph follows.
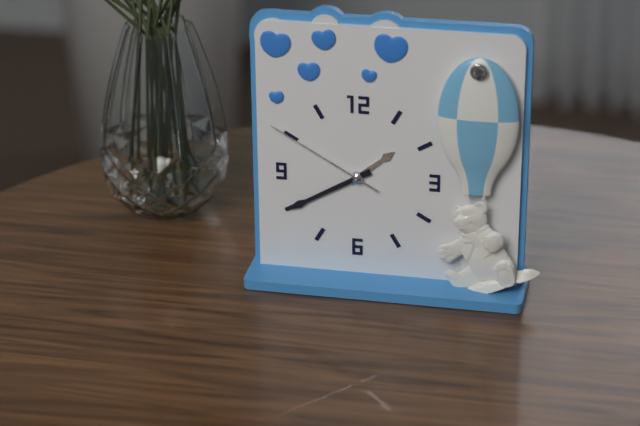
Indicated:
1 h 40 min 50 s
